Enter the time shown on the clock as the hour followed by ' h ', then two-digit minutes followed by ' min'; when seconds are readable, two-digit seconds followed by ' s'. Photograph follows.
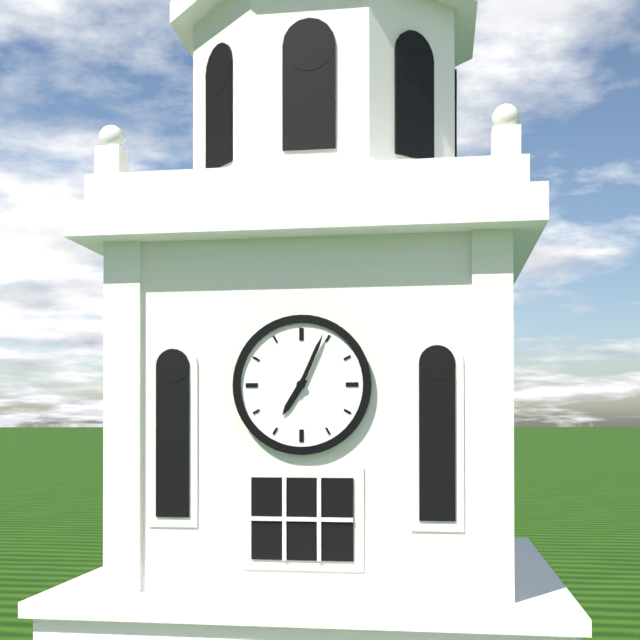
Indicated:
7 h 04 min
